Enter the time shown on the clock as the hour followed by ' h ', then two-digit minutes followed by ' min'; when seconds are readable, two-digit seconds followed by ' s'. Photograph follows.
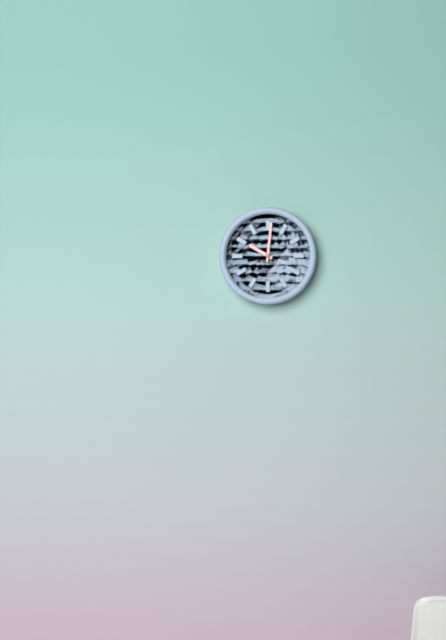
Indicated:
10 h 01 min
